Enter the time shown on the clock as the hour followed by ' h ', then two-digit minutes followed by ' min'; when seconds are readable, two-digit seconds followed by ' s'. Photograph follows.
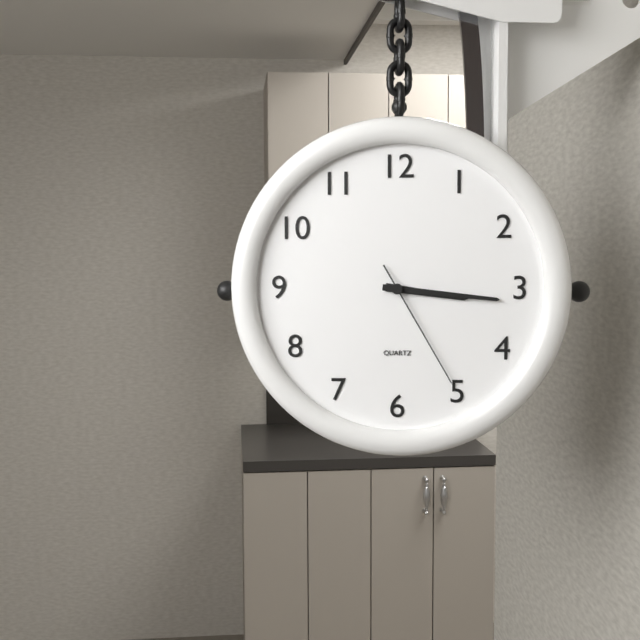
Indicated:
3 h 16 min 25 s
